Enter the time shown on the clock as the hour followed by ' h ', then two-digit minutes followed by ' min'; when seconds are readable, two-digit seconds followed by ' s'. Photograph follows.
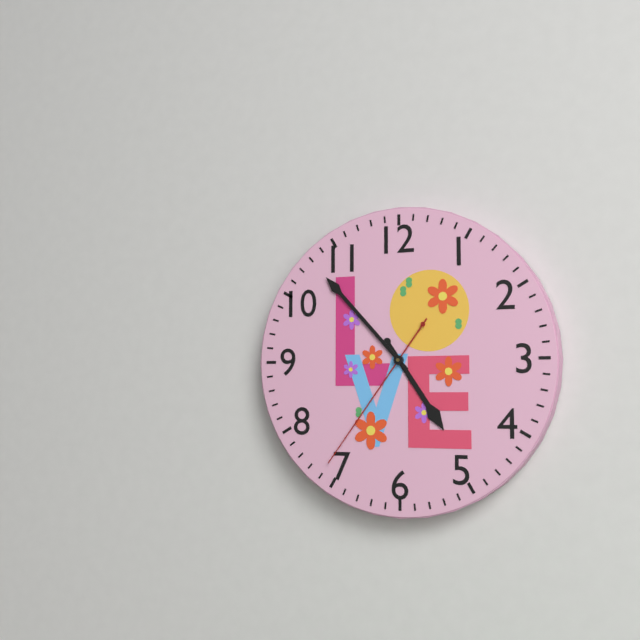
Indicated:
4 h 53 min 36 s
